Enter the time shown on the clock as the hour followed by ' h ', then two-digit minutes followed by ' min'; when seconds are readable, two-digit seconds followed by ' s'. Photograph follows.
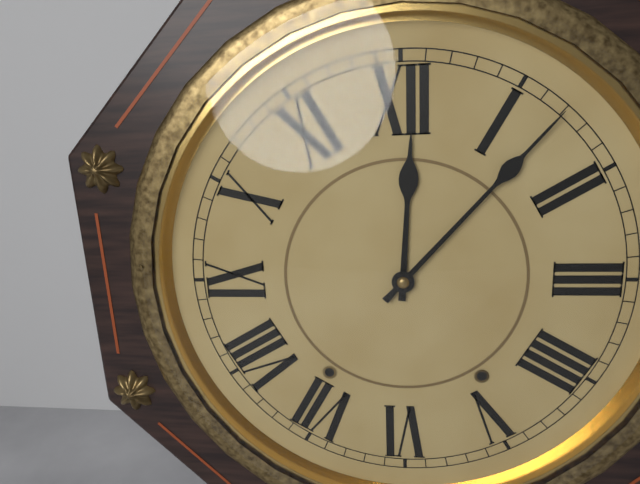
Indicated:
12 h 07 min
